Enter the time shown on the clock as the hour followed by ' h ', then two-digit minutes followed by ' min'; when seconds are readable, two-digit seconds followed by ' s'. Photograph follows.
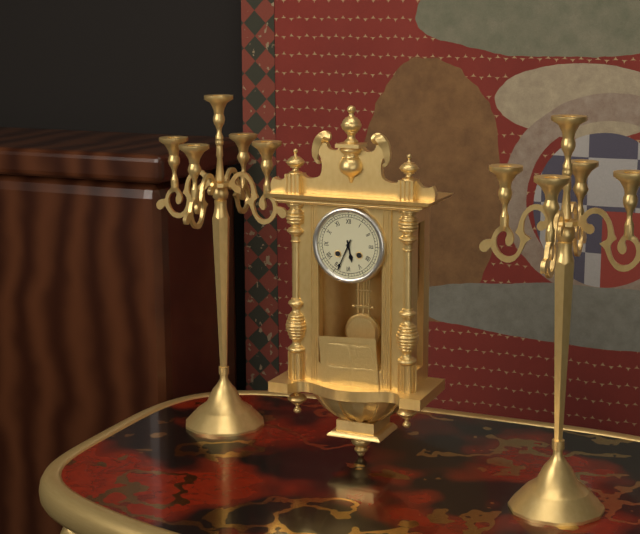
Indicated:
5 h 34 min
